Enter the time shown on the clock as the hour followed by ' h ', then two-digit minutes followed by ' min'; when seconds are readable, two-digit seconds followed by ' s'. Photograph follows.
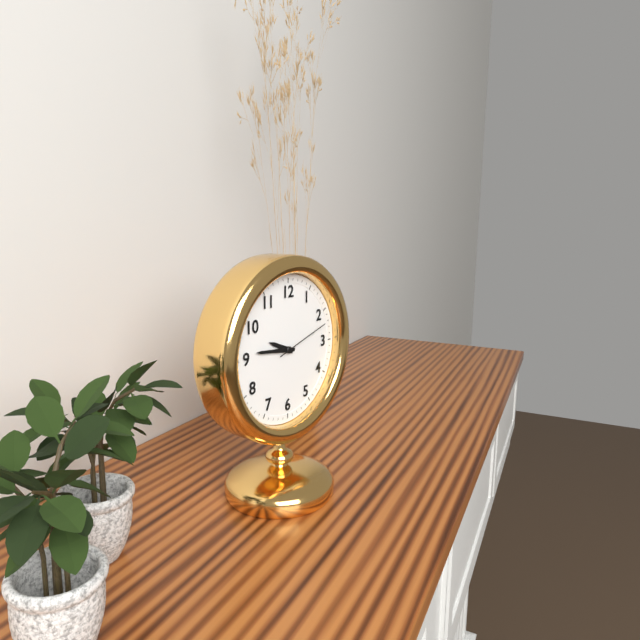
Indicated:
9 h 46 min 12 s
